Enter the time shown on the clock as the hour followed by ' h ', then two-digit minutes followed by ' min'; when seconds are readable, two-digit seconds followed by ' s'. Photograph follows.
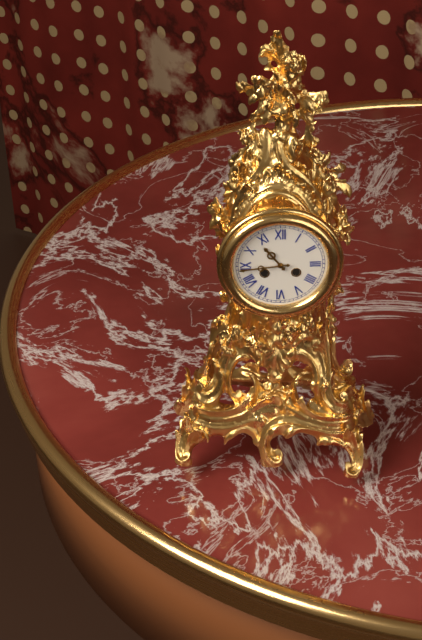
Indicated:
10 h 44 min
